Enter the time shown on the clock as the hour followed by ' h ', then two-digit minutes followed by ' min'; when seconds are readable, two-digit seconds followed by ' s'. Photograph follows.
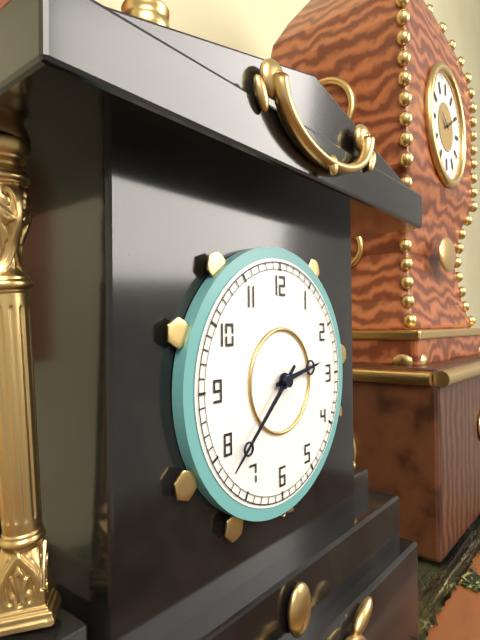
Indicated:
2 h 38 min
